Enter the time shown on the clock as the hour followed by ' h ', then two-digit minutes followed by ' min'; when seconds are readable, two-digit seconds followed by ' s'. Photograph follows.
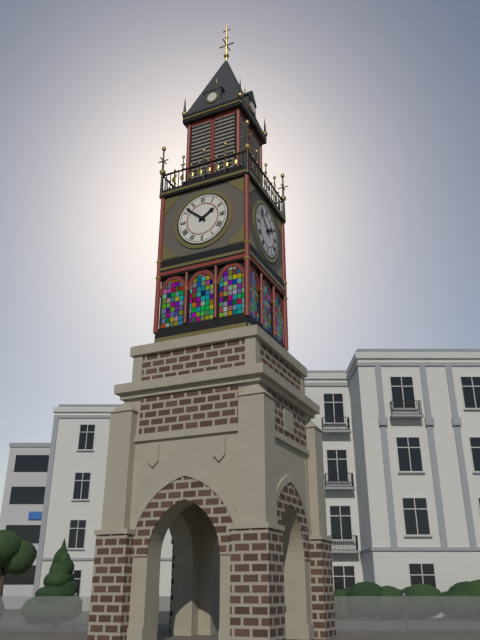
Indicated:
1 h 52 min
